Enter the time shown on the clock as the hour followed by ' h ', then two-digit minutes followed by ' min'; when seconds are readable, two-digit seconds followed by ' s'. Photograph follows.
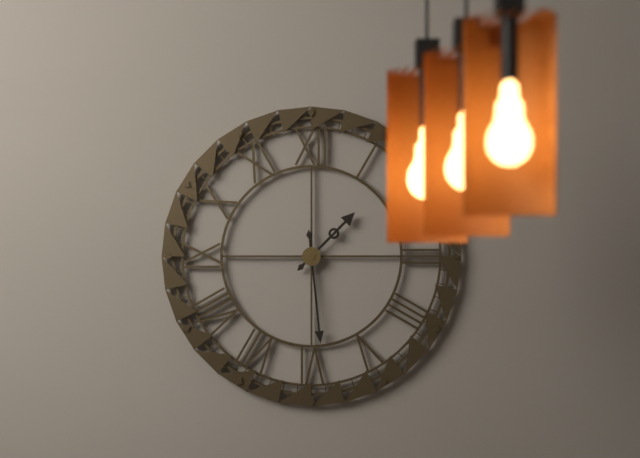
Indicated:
1 h 29 min
